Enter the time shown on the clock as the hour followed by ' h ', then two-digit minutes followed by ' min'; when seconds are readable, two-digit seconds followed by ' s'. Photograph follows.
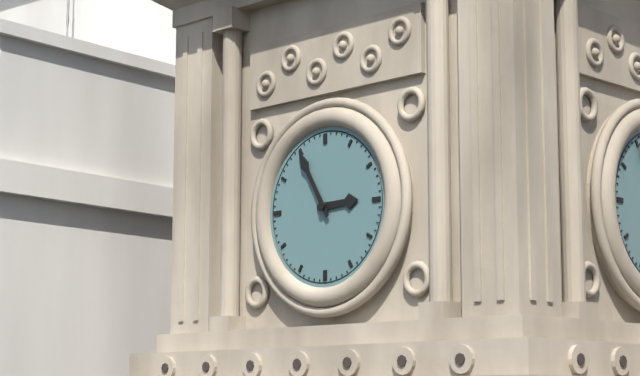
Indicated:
2 h 55 min
